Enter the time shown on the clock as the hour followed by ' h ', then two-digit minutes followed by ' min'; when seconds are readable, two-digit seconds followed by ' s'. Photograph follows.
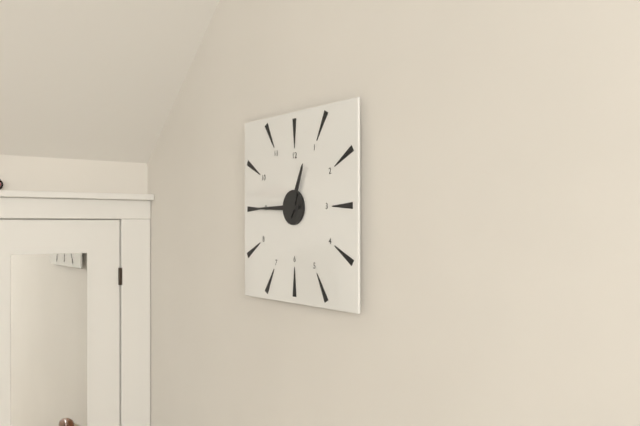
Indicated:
12 h 45 min
